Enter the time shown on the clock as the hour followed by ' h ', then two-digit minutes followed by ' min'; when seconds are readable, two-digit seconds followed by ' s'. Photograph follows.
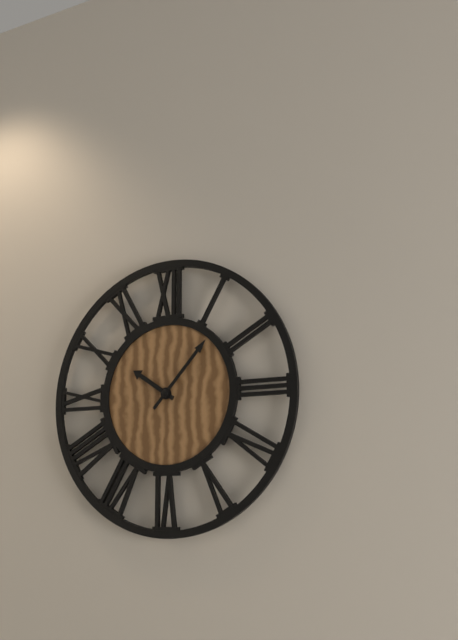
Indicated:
10 h 07 min
